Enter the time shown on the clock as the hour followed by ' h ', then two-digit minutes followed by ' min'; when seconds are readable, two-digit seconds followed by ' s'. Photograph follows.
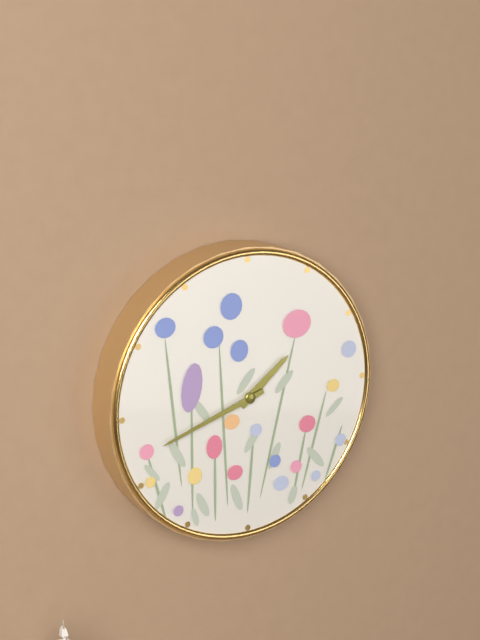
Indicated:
1 h 42 min
